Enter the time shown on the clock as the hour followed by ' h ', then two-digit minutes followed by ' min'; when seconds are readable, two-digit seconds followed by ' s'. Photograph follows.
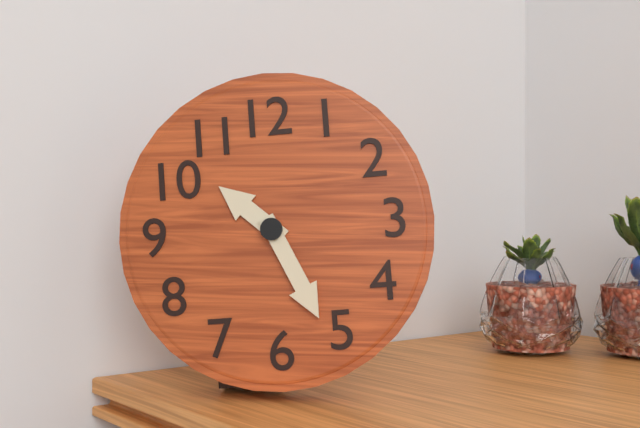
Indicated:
10 h 26 min
